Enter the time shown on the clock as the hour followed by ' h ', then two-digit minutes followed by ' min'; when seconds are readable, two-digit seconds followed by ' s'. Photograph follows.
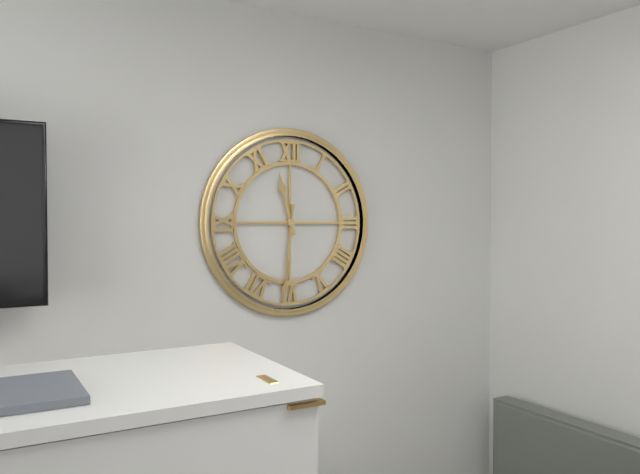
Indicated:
11 h 31 min
